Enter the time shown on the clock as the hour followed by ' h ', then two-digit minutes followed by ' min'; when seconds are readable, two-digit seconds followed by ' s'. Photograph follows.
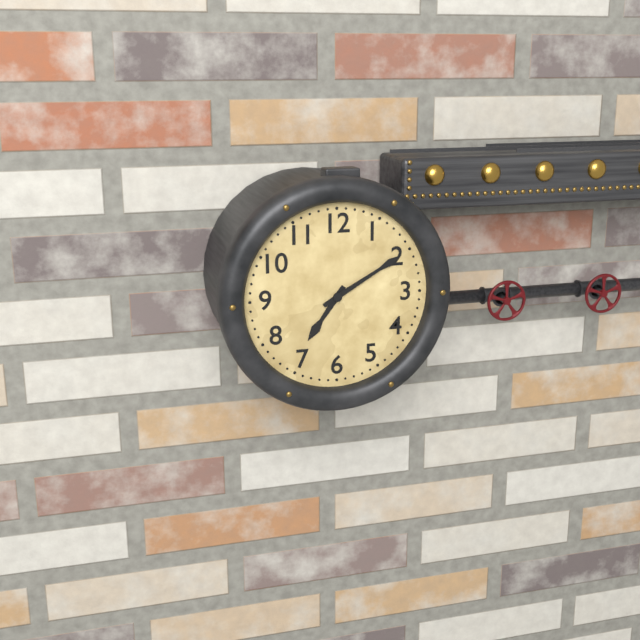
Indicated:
7 h 10 min
